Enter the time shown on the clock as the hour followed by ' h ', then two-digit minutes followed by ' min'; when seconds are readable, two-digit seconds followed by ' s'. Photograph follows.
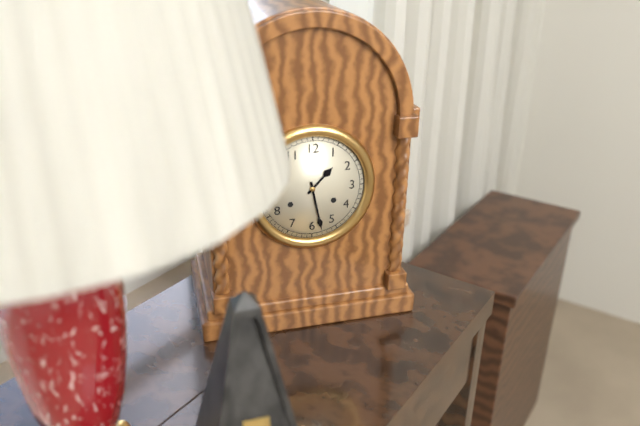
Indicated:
1 h 28 min
